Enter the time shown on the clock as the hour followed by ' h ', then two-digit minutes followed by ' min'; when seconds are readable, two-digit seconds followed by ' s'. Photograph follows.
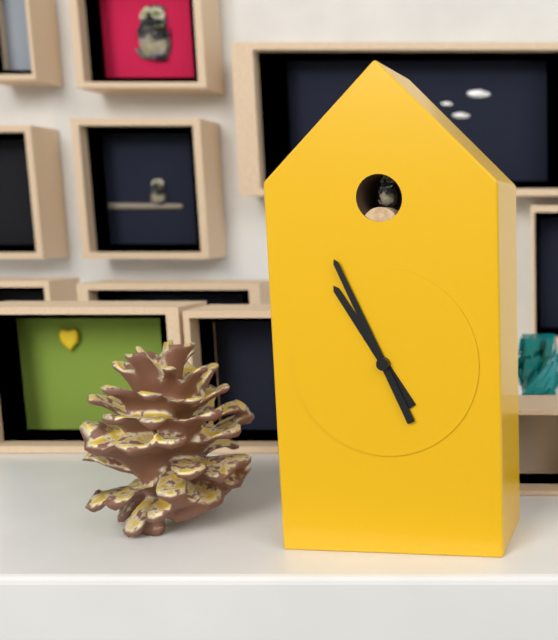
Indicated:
10 h 56 min
